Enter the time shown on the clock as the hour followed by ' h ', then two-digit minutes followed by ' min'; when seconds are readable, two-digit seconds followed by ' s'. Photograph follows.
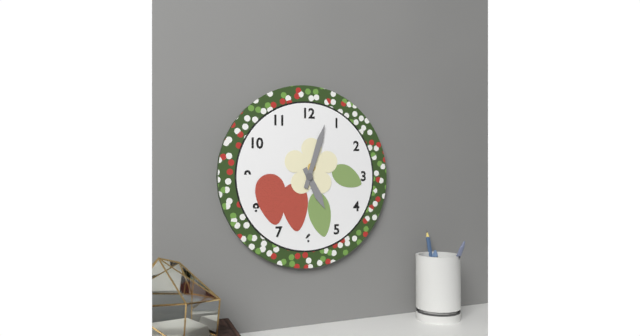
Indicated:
5 h 03 min
